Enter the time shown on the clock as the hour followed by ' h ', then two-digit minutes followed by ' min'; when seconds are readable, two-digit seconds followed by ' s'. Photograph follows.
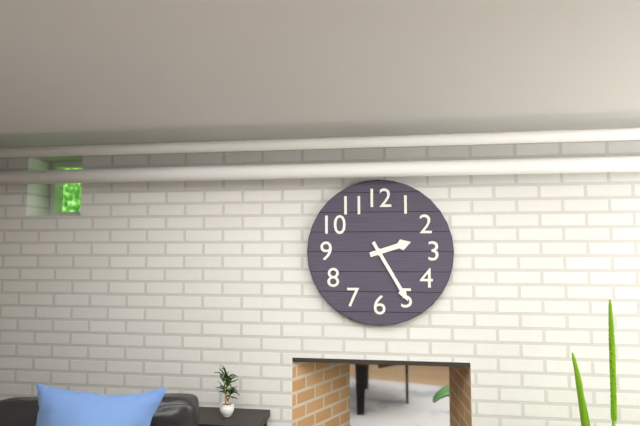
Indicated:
2 h 25 min
